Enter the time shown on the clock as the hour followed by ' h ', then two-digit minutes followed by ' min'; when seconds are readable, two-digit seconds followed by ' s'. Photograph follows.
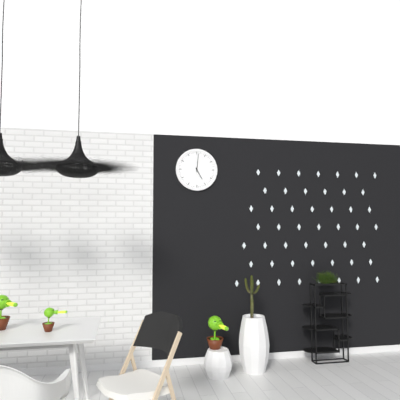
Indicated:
5 h 01 min
